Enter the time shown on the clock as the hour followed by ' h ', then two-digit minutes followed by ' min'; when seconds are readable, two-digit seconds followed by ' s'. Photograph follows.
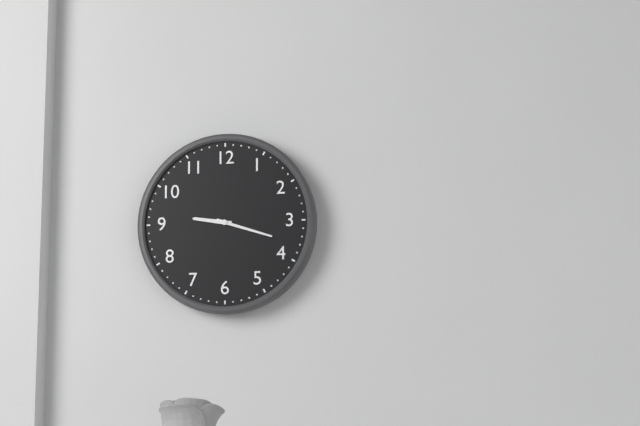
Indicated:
9 h 18 min
